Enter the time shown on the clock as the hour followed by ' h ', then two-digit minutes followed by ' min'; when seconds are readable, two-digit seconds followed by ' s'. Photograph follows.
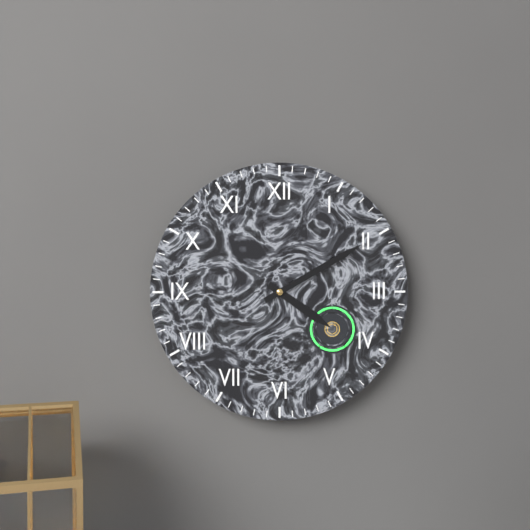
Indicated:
4 h 10 min
